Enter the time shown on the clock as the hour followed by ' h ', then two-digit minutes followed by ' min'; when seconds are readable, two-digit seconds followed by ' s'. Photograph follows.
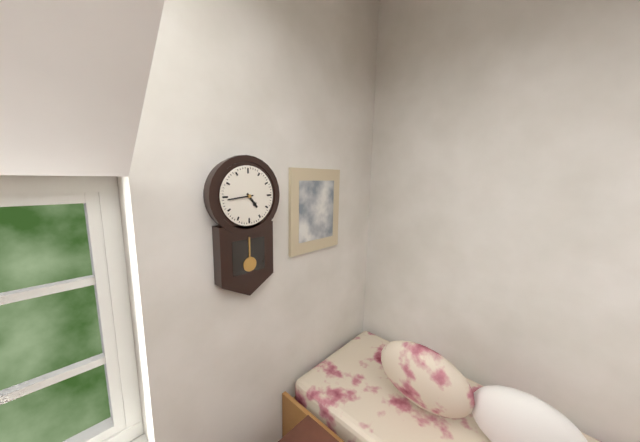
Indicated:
4 h 44 min
